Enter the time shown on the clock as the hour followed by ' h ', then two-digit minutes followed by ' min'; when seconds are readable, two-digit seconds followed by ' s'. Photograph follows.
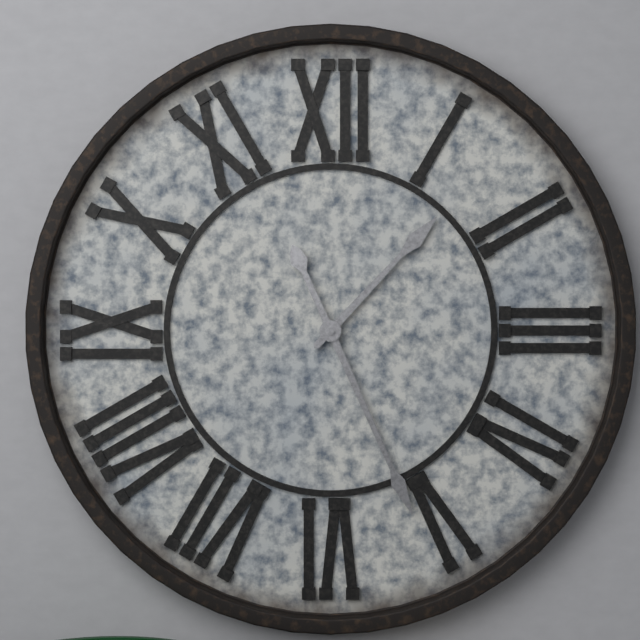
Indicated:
1 h 26 min
